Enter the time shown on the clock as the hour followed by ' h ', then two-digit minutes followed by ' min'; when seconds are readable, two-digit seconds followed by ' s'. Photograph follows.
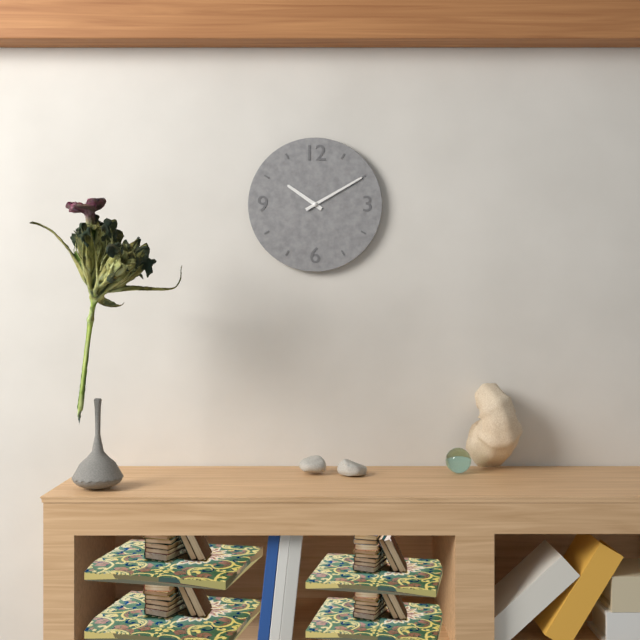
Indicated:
10 h 10 min
